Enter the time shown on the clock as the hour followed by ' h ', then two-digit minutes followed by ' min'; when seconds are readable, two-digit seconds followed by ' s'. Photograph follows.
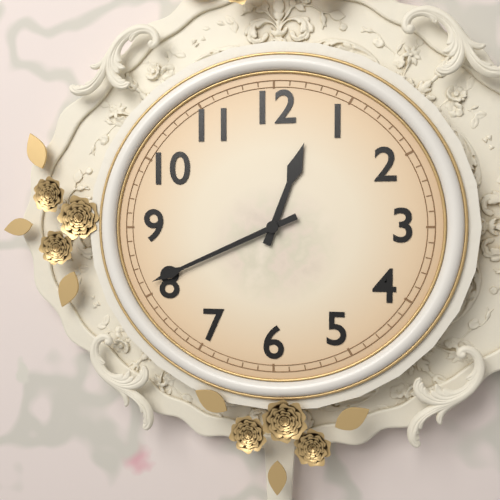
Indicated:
12 h 41 min
